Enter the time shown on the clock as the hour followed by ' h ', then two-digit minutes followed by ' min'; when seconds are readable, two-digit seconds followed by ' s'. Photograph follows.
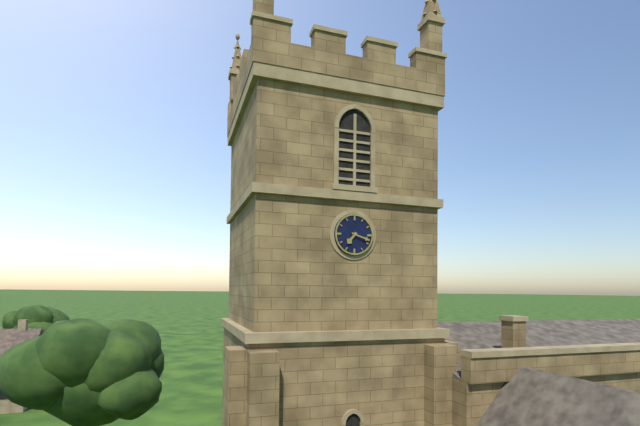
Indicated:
7 h 18 min
